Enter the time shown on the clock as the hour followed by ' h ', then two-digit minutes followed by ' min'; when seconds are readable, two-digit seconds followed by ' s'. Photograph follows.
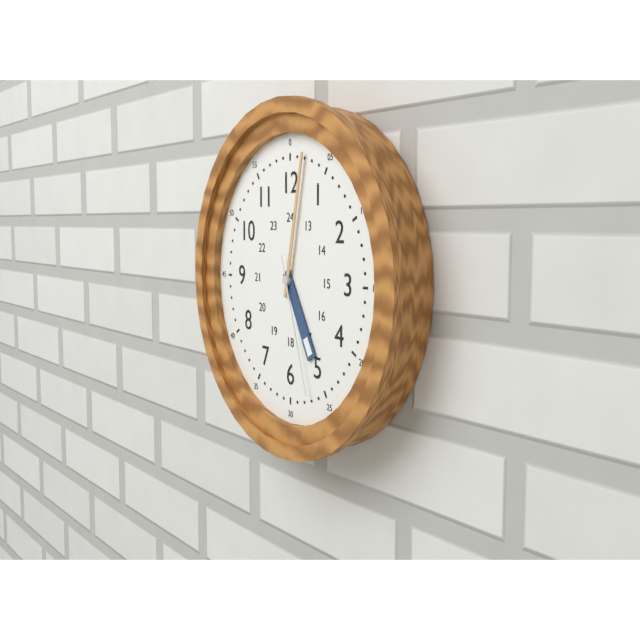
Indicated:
5 h 02 min 27 s
